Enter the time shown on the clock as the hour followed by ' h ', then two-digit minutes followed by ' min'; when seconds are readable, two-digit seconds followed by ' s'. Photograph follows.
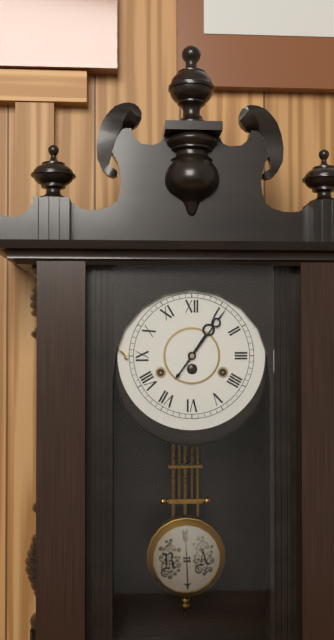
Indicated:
1 h 06 min
